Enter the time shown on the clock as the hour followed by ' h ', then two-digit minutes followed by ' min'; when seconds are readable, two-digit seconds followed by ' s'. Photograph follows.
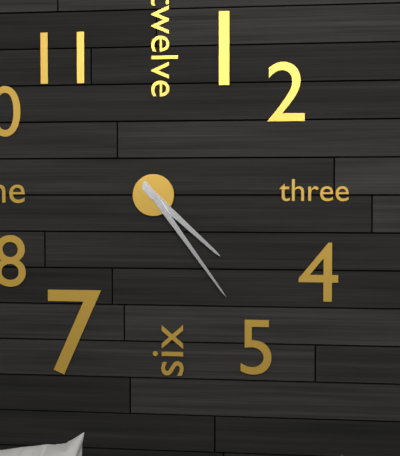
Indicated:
4 h 24 min
